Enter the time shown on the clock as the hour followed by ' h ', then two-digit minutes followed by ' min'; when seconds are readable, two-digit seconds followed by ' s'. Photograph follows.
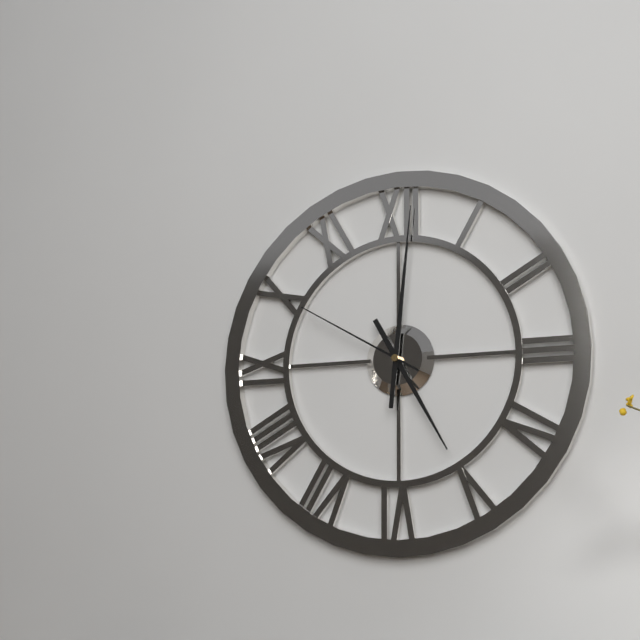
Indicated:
5 h 01 min 50 s
